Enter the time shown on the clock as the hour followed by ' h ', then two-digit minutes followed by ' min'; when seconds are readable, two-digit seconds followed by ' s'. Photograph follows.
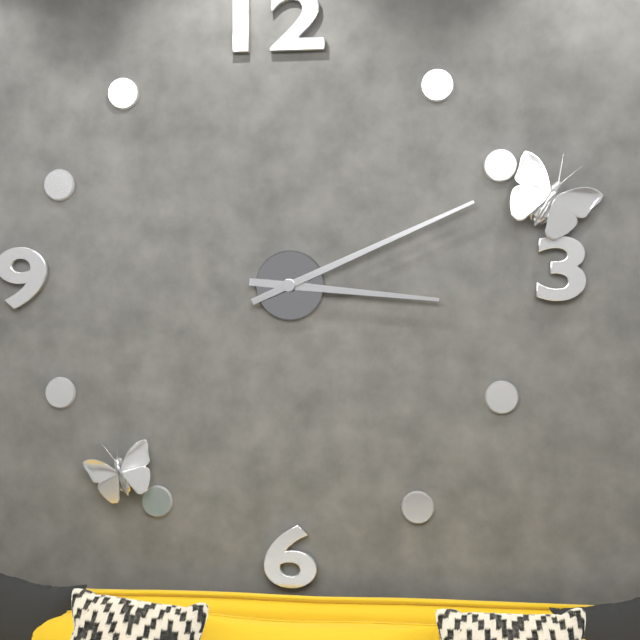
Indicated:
3 h 11 min
